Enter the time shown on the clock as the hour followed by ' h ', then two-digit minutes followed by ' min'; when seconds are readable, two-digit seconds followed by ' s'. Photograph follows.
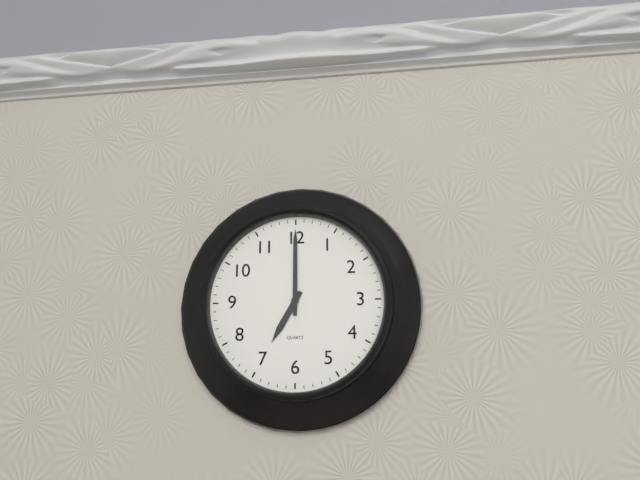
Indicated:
7 h 00 min
